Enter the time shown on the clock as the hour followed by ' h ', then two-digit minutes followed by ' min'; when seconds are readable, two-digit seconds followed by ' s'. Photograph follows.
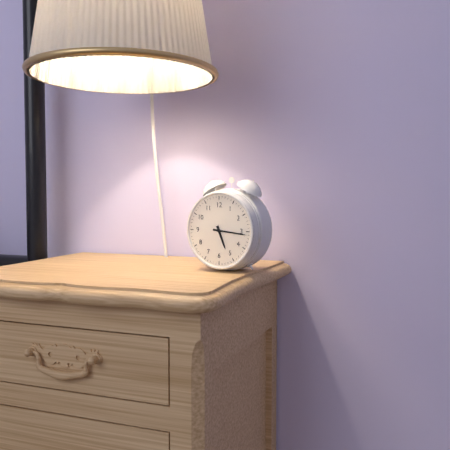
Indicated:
5 h 16 min
